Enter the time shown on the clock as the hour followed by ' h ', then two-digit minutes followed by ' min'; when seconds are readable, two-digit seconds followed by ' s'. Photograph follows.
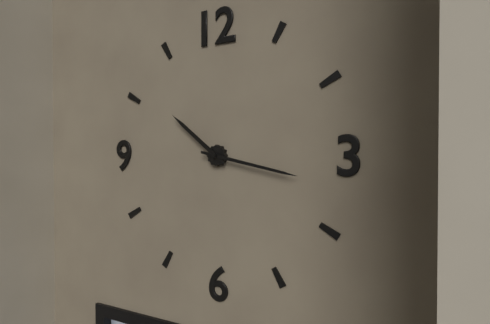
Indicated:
10 h 17 min
